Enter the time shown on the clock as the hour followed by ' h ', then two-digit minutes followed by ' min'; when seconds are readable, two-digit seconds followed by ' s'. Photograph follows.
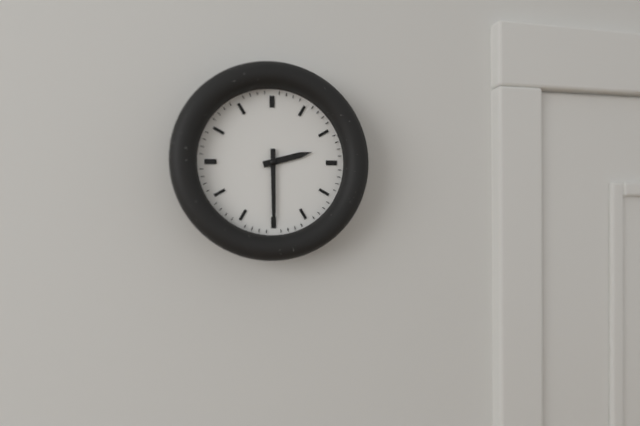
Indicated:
2 h 30 min
